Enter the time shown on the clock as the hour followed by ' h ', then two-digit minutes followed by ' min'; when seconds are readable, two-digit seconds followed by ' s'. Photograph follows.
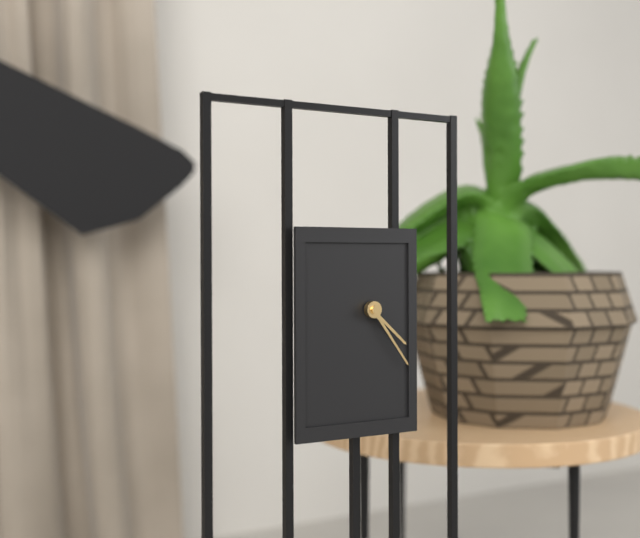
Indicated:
4 h 24 min
